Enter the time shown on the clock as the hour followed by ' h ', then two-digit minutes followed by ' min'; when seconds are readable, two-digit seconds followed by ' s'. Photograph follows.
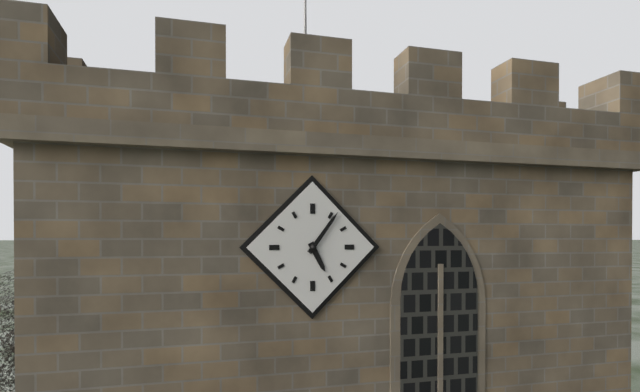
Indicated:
5 h 06 min
